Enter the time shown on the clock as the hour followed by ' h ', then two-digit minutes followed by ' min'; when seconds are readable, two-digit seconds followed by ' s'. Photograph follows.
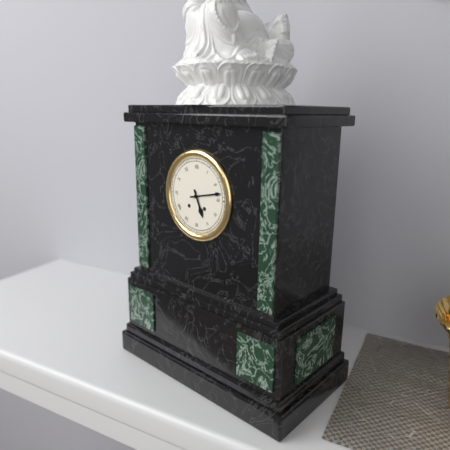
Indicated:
5 h 13 min
